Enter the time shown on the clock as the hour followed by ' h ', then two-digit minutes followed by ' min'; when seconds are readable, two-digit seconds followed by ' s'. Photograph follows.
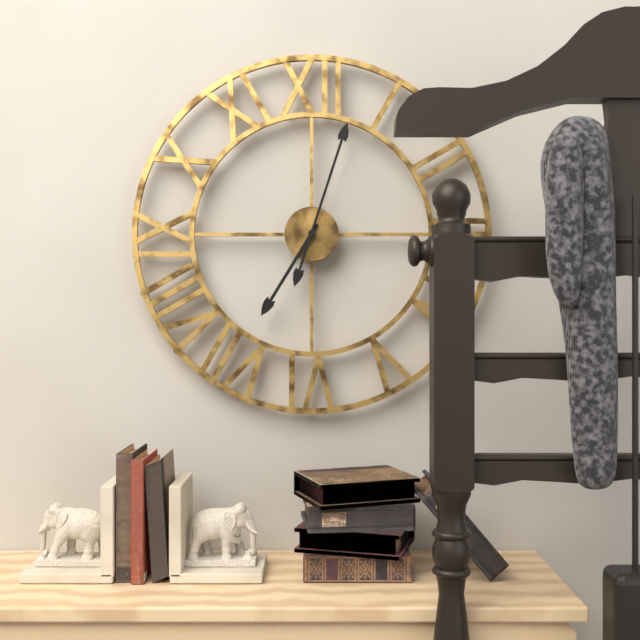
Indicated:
7 h 03 min
